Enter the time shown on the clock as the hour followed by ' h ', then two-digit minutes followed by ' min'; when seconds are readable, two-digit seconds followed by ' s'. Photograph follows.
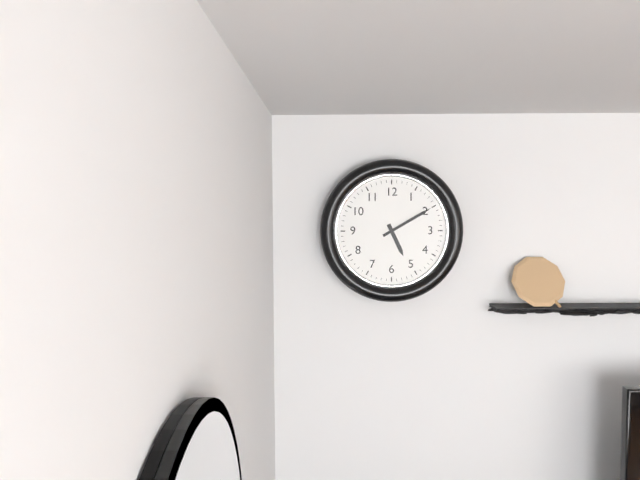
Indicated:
5 h 10 min
